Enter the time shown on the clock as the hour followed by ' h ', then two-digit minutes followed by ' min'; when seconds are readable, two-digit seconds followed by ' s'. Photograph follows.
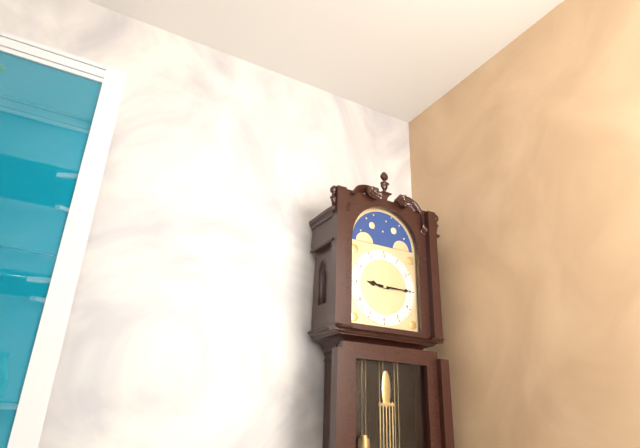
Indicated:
9 h 15 min
